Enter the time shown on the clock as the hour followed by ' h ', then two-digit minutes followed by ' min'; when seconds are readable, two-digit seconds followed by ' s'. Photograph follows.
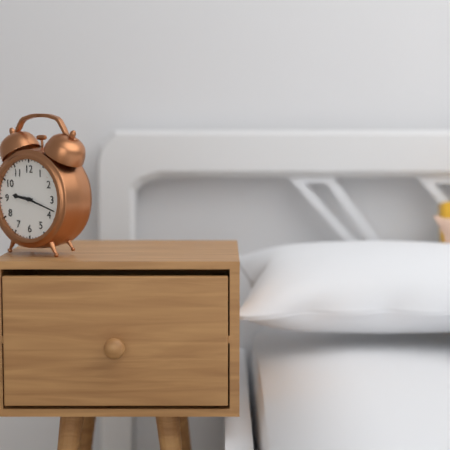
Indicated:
9 h 18 min
